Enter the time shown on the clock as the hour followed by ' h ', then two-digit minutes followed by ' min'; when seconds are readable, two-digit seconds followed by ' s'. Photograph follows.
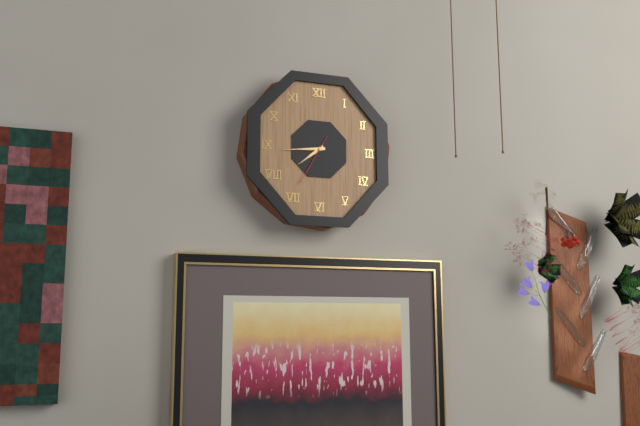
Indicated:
7 h 44 min
